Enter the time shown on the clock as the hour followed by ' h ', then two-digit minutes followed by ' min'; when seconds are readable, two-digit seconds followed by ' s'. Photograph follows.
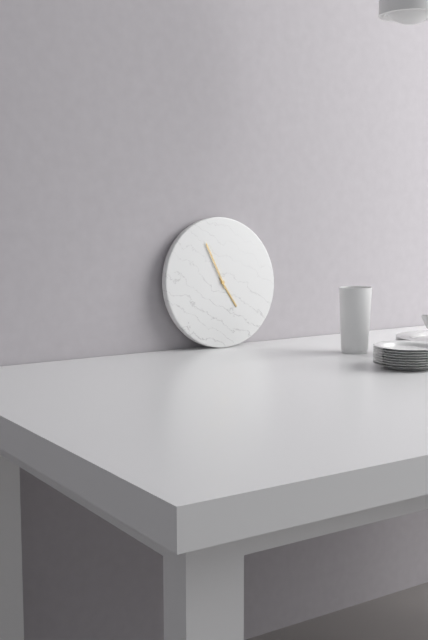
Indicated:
4 h 56 min
